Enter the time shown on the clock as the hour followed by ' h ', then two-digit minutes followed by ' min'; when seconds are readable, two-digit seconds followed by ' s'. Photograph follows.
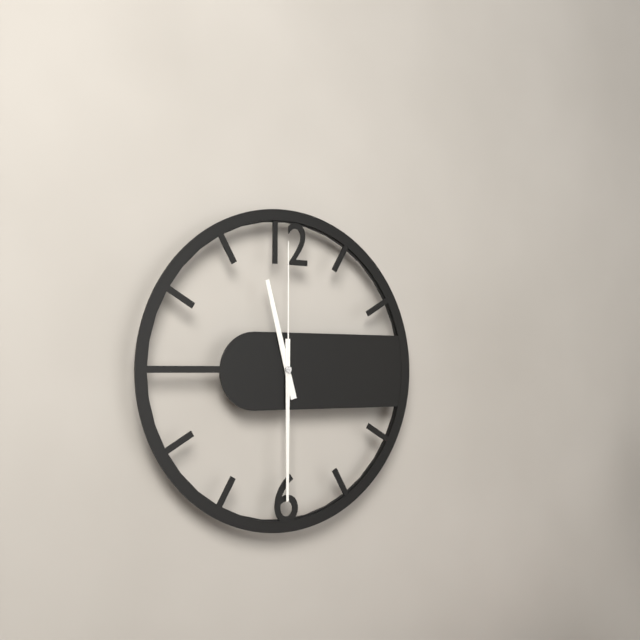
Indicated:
11 h 30 min 00 s
